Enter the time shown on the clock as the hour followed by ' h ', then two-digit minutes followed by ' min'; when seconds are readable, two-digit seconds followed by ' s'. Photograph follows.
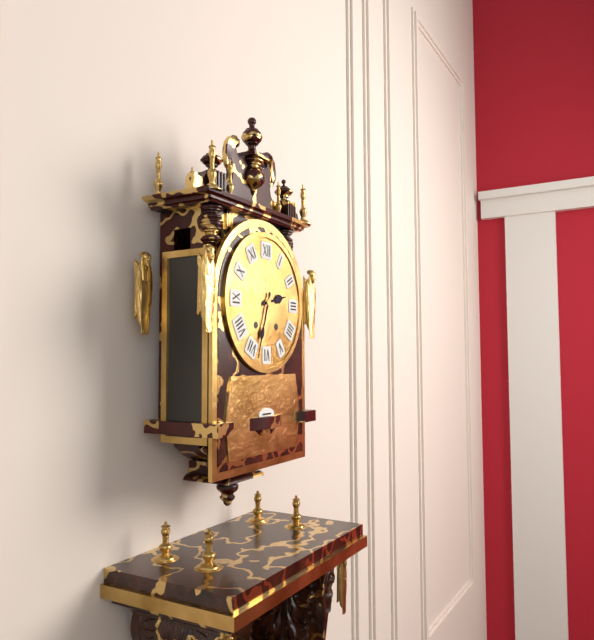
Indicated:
2 h 33 min
